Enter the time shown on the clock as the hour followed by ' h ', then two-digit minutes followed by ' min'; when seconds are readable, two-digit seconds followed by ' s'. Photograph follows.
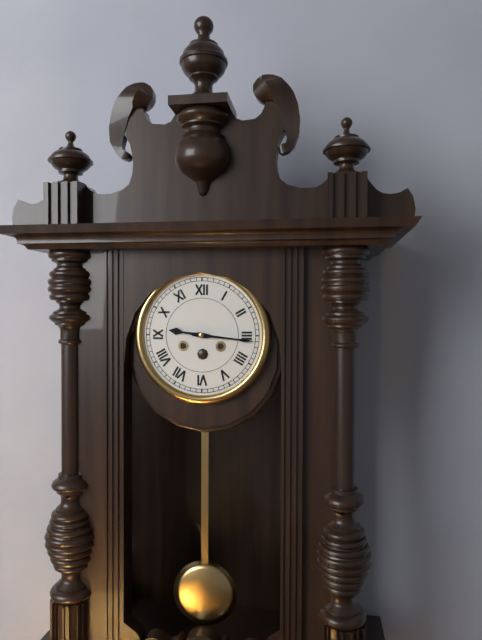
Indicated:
9 h 16 min
